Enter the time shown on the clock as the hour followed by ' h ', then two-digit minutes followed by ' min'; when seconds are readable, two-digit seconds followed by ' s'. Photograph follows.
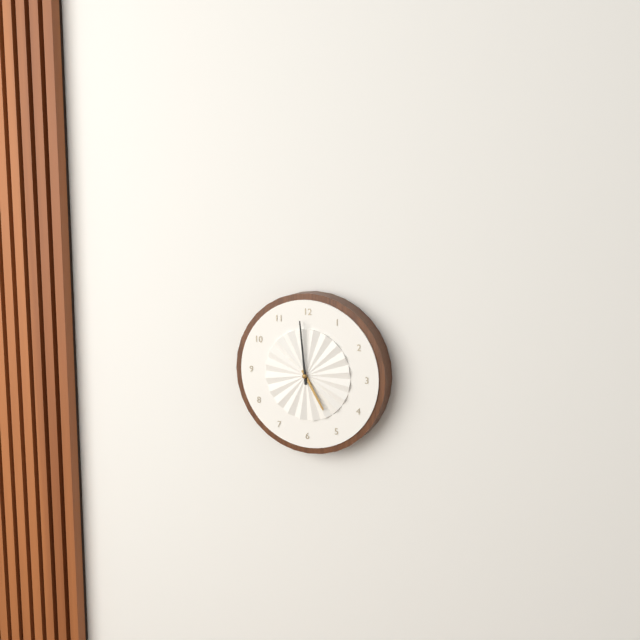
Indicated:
4 h 59 min
